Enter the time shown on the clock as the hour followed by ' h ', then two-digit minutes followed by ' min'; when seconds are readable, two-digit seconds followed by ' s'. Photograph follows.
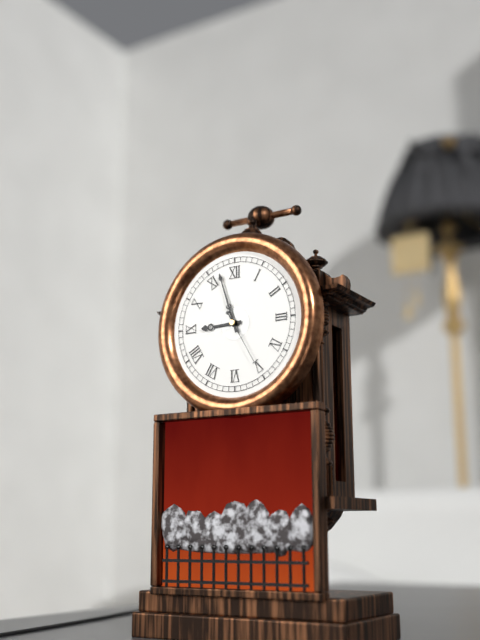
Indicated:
8 h 57 min 25 s
